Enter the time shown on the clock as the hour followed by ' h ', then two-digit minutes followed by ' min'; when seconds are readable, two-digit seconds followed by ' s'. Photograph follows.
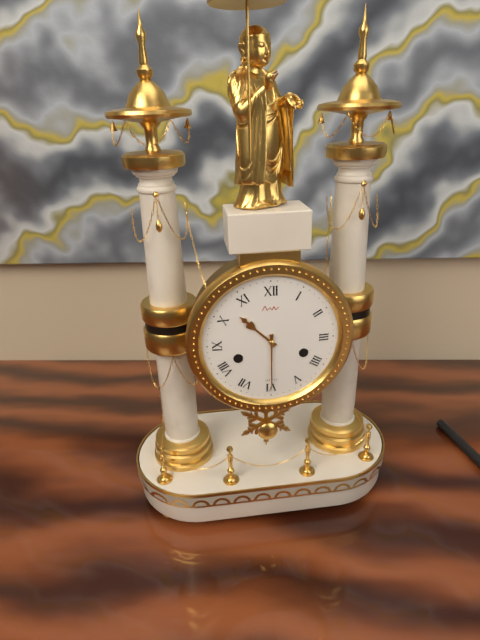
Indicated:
10 h 30 min
